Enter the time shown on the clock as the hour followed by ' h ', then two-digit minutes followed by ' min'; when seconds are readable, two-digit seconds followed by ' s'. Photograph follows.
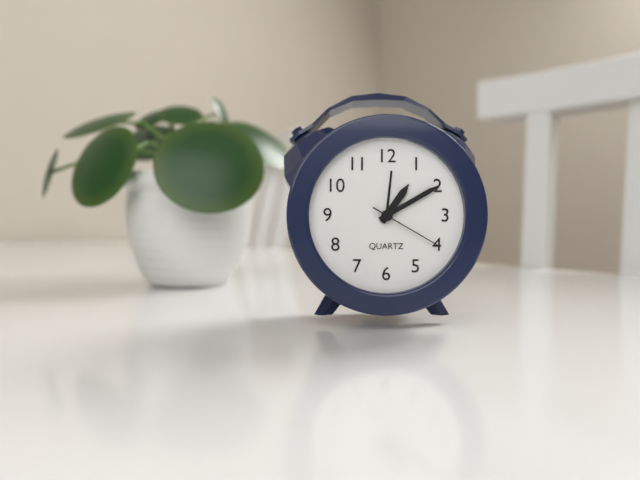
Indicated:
1 h 10 min 20 s
